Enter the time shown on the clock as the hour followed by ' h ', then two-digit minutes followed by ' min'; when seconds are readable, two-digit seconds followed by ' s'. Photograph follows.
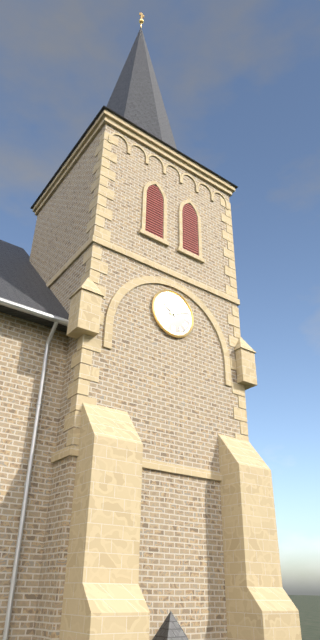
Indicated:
10 h 11 min
